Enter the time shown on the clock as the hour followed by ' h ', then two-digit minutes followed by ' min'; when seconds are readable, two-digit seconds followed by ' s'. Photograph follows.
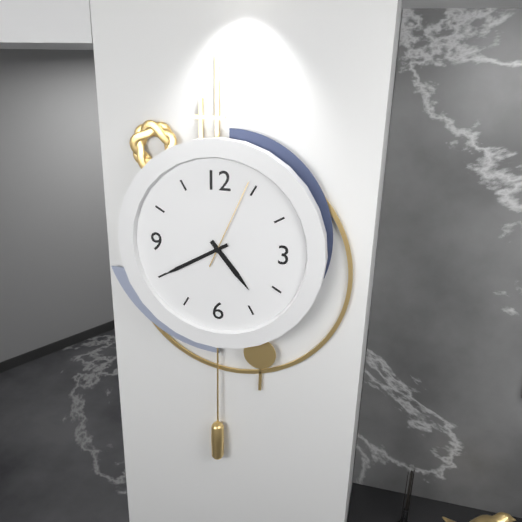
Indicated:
4 h 40 min 04 s
